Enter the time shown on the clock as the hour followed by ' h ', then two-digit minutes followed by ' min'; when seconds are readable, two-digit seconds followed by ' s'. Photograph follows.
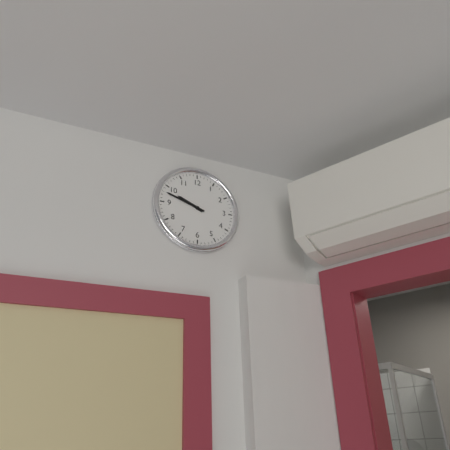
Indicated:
9 h 48 min
